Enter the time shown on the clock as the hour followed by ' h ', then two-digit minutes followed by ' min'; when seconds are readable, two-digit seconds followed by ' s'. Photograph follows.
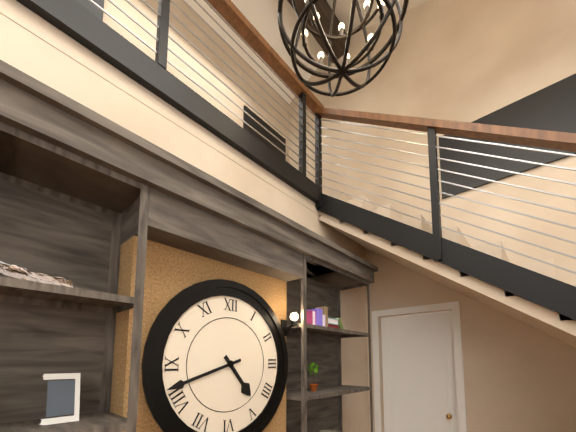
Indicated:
4 h 42 min
